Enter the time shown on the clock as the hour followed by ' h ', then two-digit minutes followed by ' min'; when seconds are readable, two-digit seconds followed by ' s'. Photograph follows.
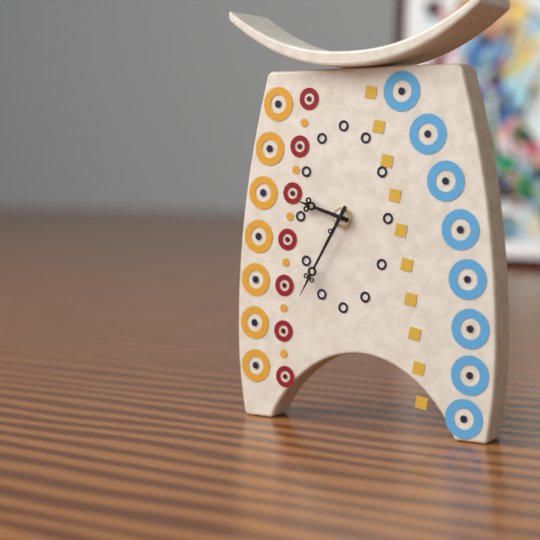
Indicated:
9 h 35 min
